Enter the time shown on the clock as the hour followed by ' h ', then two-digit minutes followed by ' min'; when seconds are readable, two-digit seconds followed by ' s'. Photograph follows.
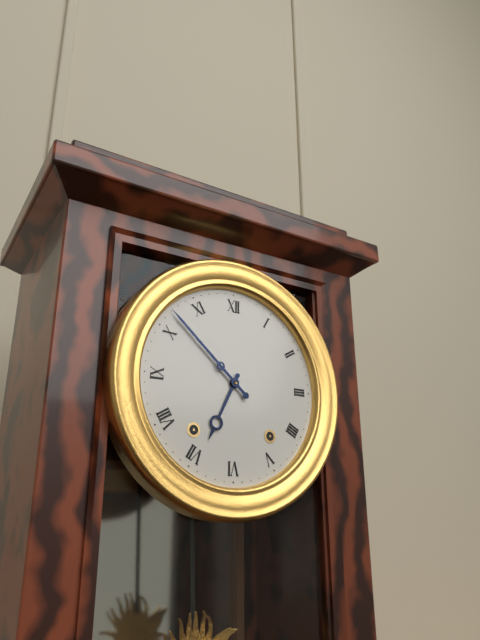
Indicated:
6 h 52 min
